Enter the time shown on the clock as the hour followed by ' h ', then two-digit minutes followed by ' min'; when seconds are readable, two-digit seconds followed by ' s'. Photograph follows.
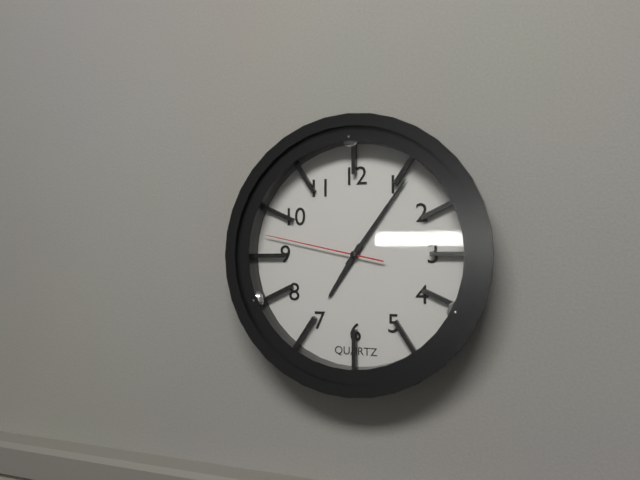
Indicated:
7 h 06 min 47 s
